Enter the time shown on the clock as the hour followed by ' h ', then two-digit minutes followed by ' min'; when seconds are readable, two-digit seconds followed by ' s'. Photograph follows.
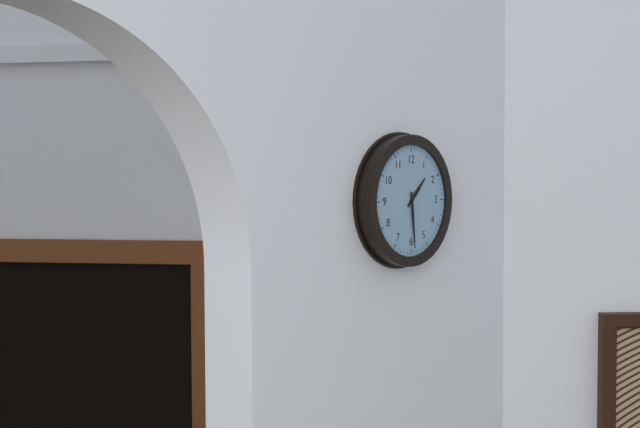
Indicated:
1 h 29 min
